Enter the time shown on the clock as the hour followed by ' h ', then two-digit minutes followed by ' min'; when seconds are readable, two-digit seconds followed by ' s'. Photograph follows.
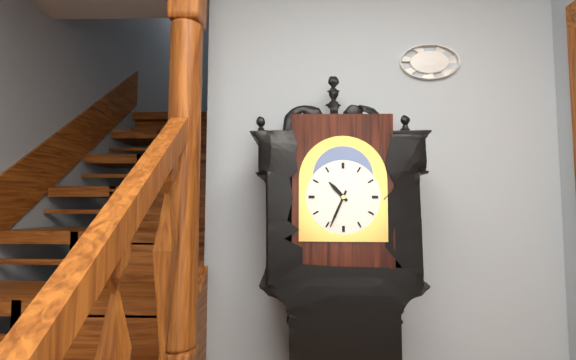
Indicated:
10 h 34 min
